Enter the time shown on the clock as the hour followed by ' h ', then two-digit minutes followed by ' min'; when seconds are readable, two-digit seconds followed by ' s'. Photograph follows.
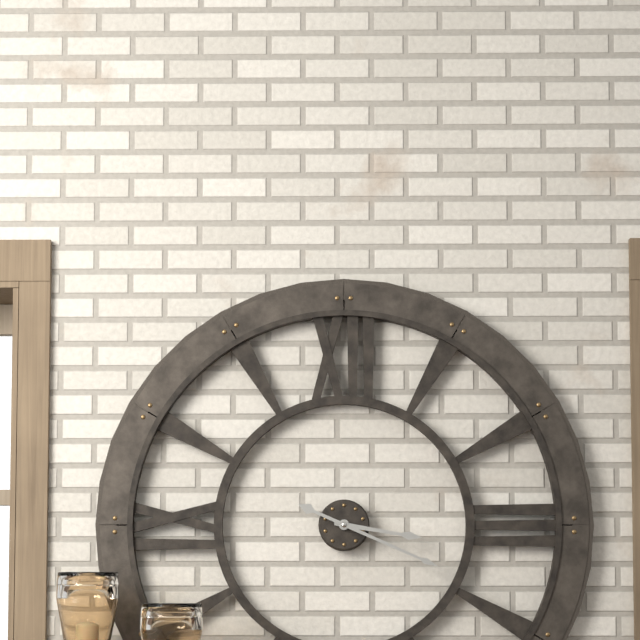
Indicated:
3 h 19 min
